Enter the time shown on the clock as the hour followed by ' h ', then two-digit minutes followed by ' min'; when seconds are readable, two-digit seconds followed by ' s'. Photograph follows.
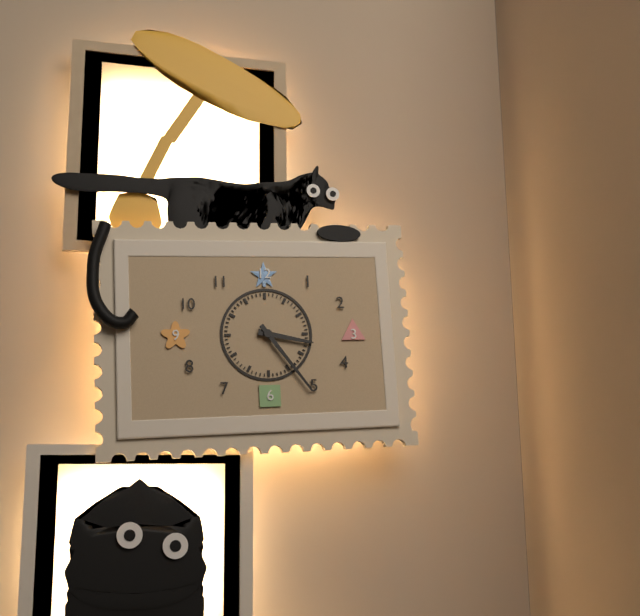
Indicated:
3 h 24 min
